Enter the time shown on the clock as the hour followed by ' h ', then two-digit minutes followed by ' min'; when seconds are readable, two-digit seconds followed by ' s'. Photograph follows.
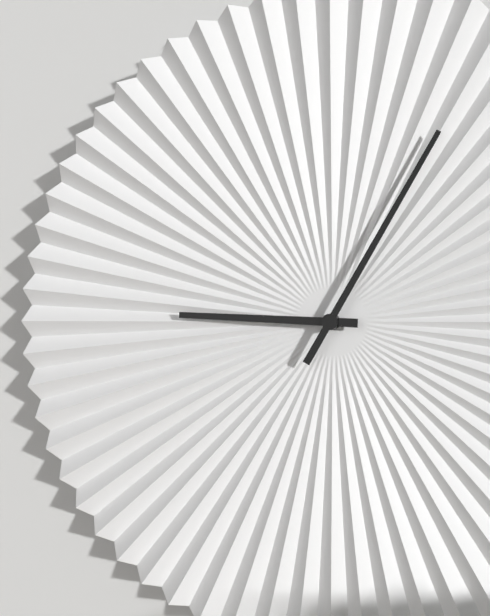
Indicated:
9 h 05 min
